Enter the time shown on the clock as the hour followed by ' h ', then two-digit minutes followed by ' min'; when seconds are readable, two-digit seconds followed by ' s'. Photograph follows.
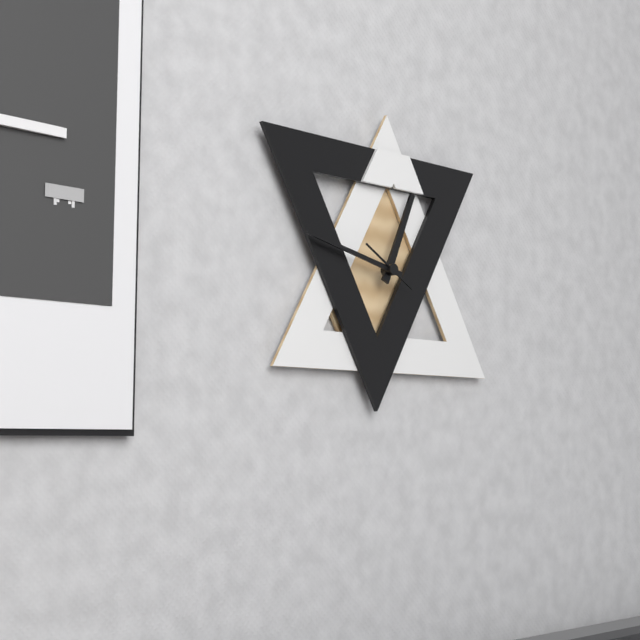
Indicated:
12 h 47 min
